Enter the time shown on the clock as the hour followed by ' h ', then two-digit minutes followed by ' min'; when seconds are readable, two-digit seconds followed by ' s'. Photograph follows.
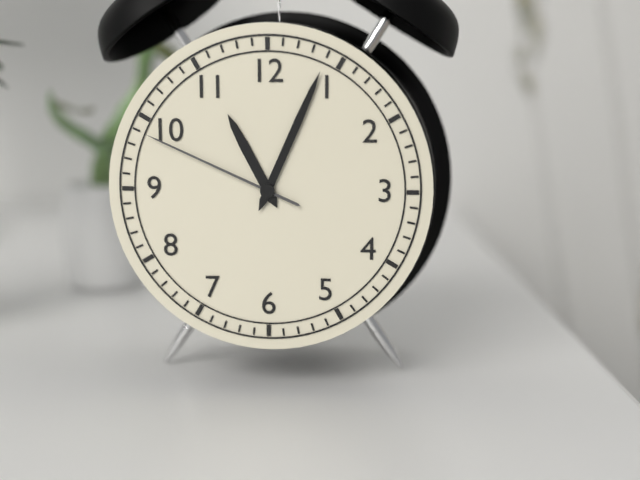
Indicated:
11 h 04 min 49 s
